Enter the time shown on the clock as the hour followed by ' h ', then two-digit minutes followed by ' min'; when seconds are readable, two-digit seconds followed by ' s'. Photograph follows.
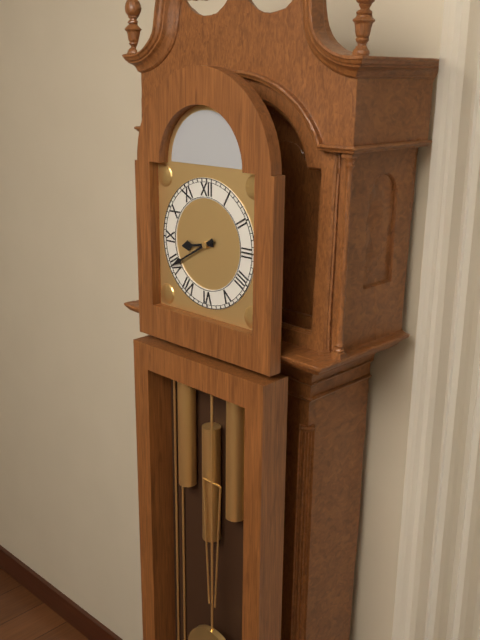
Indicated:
8 h 40 min
